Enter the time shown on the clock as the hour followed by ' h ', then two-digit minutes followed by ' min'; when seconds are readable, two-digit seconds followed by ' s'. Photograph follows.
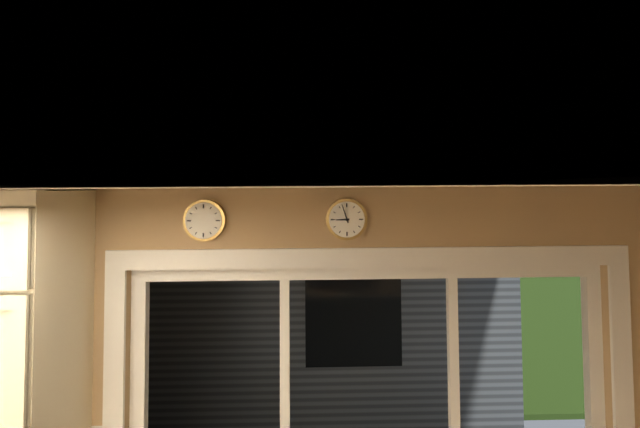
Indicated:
8 h 57 min
